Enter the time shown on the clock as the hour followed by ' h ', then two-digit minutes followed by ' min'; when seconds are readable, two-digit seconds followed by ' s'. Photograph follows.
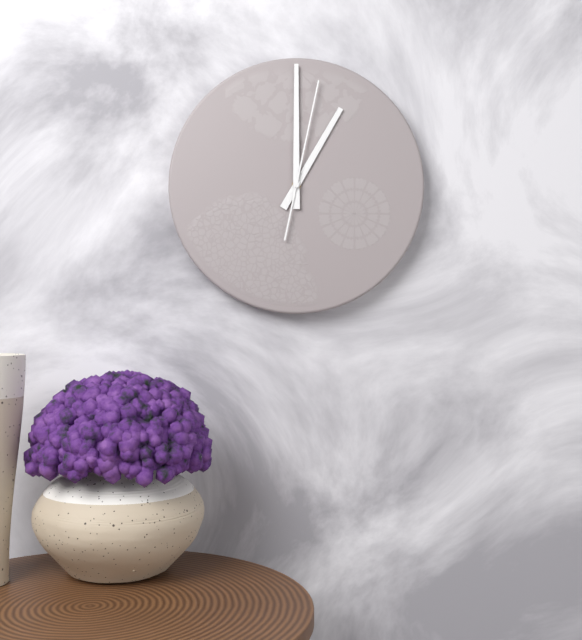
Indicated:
1 h 00 min 02 s
